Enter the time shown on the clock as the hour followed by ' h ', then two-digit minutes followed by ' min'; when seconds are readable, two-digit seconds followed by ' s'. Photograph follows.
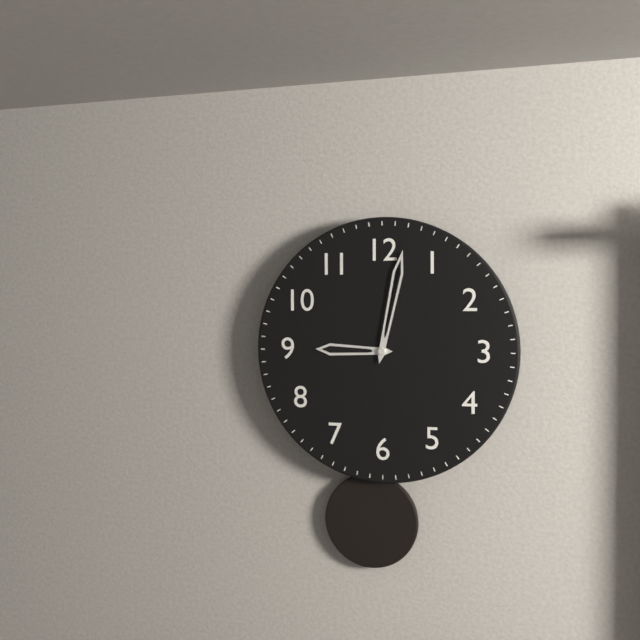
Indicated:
9 h 02 min
